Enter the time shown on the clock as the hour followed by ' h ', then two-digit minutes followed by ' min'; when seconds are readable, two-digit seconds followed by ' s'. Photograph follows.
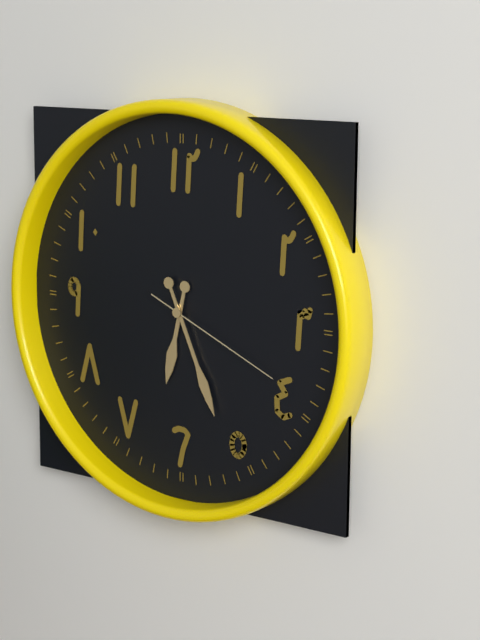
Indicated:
6 h 26 min 19 s
